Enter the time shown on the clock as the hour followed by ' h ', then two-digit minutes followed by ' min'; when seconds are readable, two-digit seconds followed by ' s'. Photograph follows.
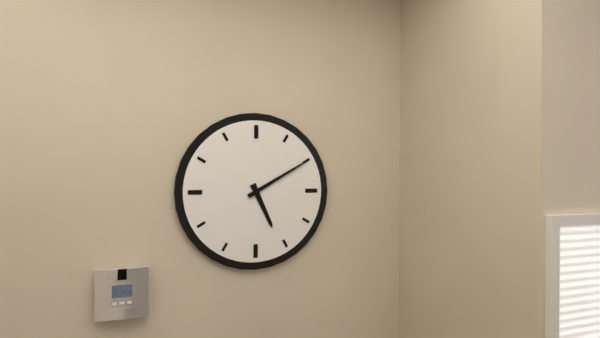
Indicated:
5 h 10 min
